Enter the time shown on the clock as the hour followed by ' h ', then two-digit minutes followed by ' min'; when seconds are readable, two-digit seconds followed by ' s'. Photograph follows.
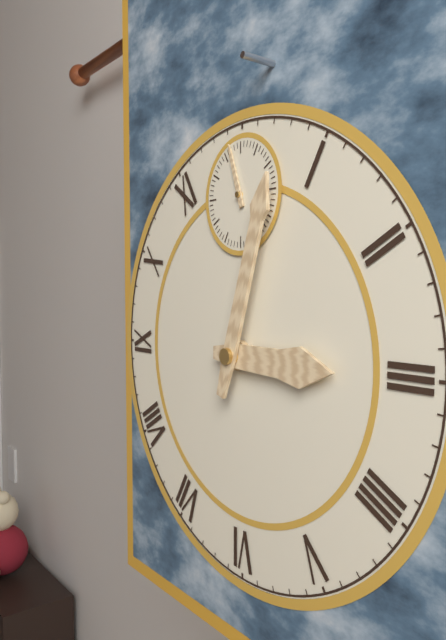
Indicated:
3 h 03 min 57 s
